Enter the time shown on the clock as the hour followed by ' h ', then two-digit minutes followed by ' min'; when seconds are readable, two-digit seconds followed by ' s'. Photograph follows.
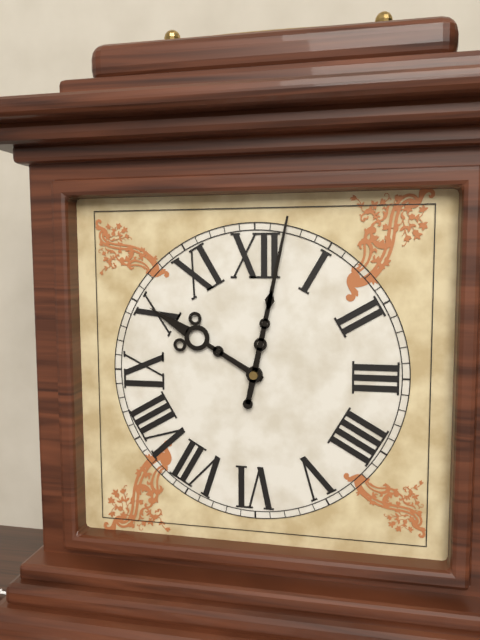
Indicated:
10 h 02 min
